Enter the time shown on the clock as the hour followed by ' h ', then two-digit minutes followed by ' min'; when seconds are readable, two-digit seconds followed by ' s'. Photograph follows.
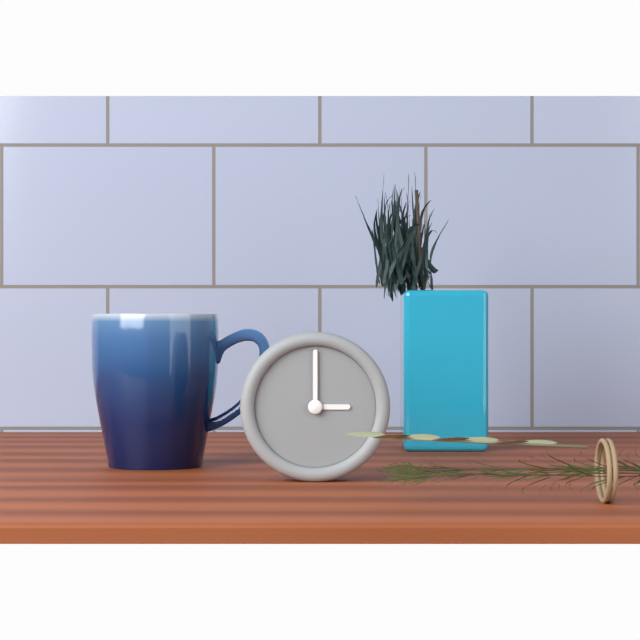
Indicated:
3 h 00 min
